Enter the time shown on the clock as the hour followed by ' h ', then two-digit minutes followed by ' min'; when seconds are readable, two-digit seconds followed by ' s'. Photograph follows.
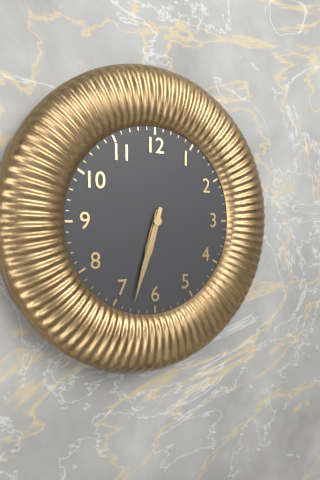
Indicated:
6 h 33 min
